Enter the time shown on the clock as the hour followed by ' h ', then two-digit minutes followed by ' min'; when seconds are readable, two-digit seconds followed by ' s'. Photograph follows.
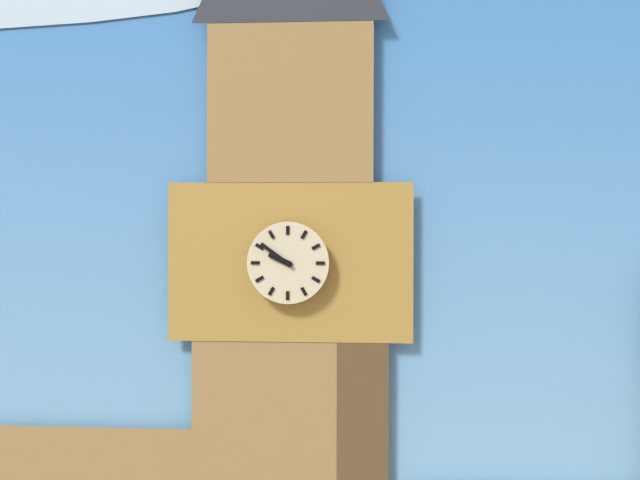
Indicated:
9 h 51 min
